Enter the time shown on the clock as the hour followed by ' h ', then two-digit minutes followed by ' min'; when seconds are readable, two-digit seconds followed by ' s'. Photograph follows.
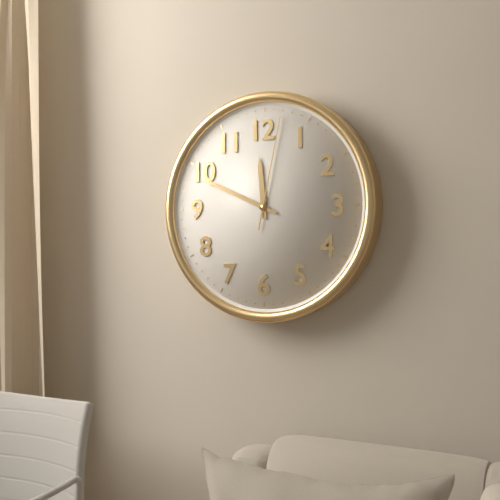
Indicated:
11 h 49 min 02 s
